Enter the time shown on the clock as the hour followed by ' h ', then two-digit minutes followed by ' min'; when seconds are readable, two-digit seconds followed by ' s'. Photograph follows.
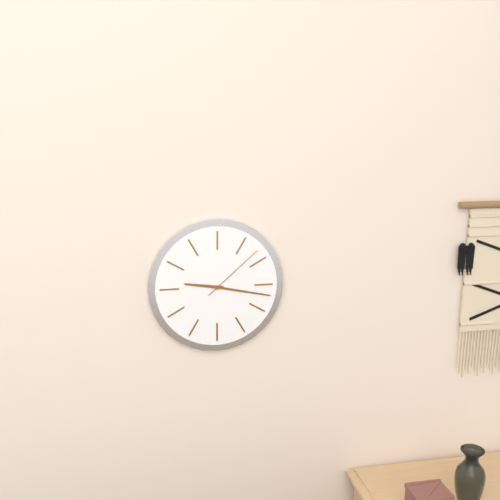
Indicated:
9 h 17 min 08 s
